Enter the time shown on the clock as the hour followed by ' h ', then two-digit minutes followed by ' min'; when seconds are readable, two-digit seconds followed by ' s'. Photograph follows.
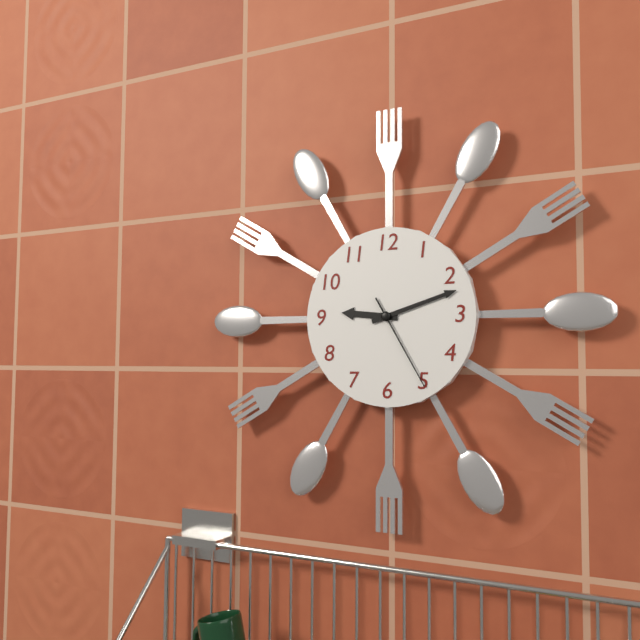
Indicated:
9 h 12 min 25 s
